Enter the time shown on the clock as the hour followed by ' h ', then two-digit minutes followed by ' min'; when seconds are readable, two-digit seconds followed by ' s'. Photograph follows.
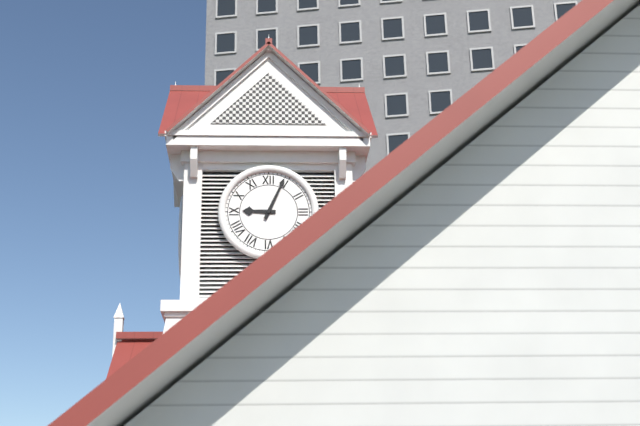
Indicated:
9 h 04 min
